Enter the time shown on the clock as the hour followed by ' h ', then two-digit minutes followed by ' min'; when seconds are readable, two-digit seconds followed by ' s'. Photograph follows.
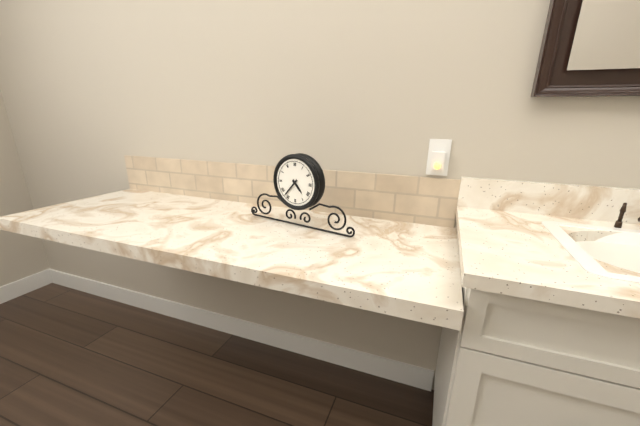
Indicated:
4 h 37 min
